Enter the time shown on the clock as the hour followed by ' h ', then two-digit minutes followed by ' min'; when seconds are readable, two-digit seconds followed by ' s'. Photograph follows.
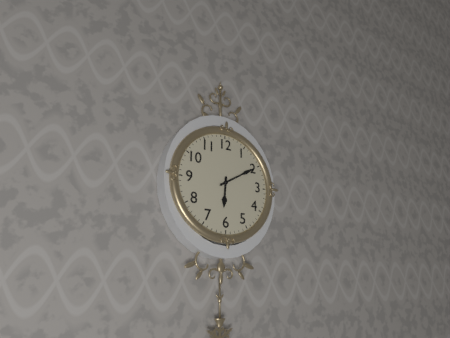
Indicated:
6 h 10 min
